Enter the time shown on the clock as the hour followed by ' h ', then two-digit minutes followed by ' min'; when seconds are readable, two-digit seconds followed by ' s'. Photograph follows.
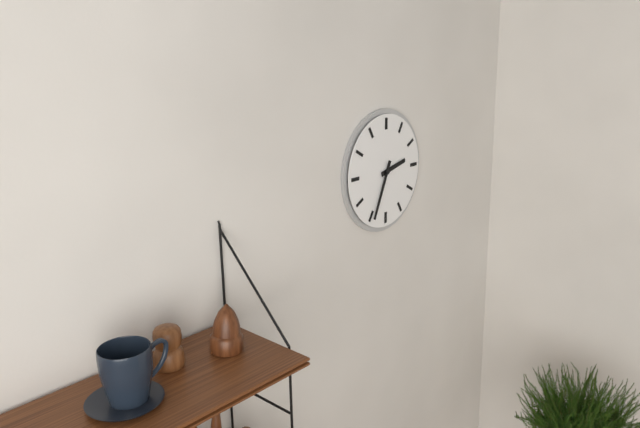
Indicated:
2 h 34 min
